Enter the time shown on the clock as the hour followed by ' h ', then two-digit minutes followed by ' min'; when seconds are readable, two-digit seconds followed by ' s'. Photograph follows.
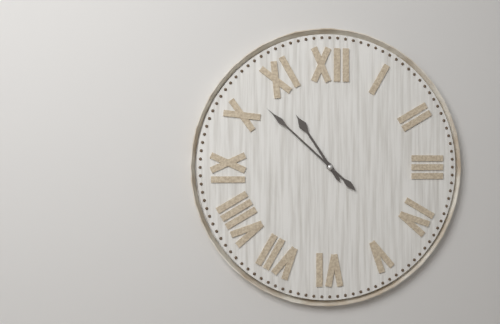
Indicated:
10 h 52 min
